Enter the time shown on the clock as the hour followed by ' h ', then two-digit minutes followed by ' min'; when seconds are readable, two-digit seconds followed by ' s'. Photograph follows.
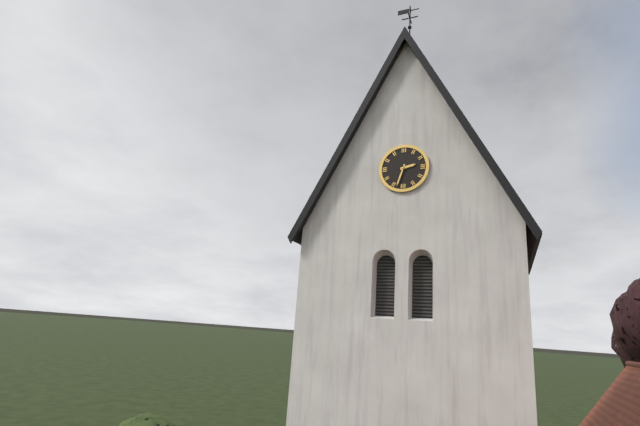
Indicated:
2 h 33 min
